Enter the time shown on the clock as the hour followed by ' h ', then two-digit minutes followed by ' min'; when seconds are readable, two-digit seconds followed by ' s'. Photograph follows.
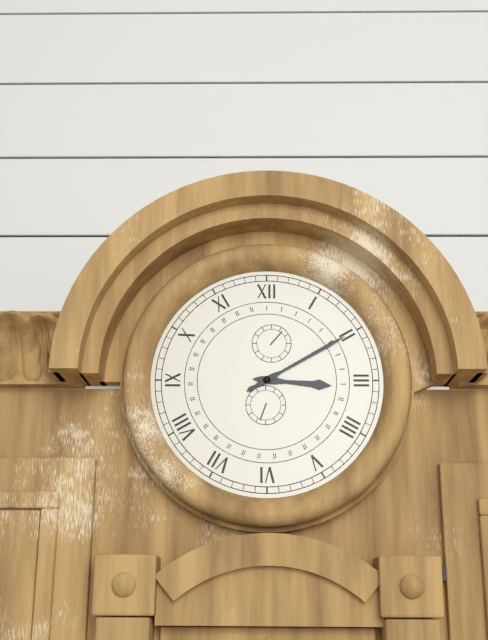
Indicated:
3 h 10 min
